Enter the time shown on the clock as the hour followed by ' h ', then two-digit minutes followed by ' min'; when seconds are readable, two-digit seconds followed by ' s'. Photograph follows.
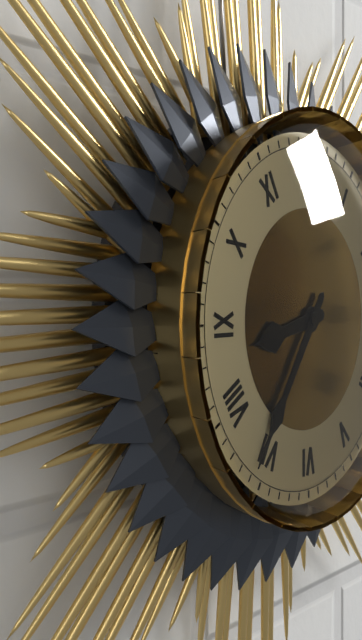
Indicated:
8 h 36 min
